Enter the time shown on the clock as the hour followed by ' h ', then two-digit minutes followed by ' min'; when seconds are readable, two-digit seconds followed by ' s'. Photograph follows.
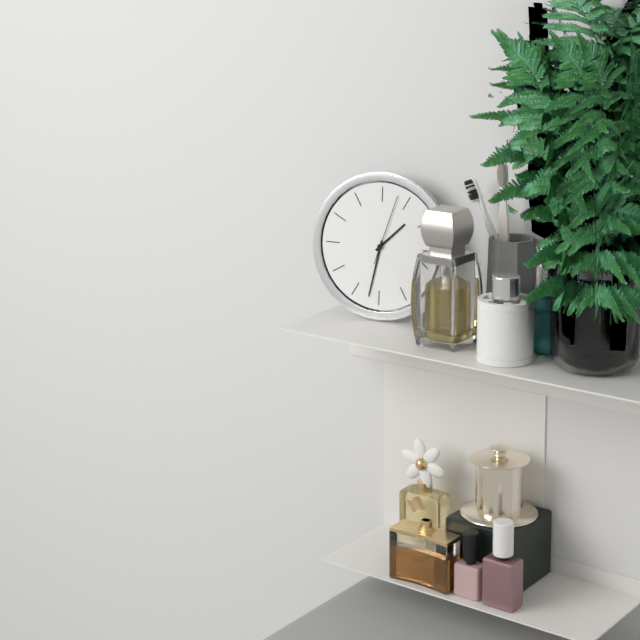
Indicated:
1 h 32 min 03 s
